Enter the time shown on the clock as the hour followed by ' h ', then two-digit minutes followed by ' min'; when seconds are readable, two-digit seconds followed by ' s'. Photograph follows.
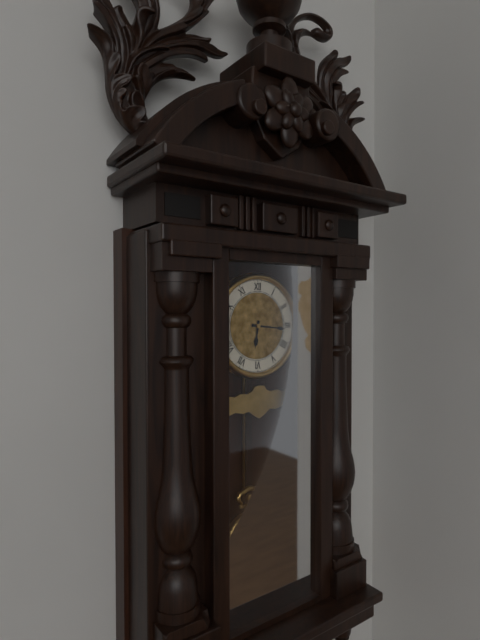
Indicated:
6 h 16 min
